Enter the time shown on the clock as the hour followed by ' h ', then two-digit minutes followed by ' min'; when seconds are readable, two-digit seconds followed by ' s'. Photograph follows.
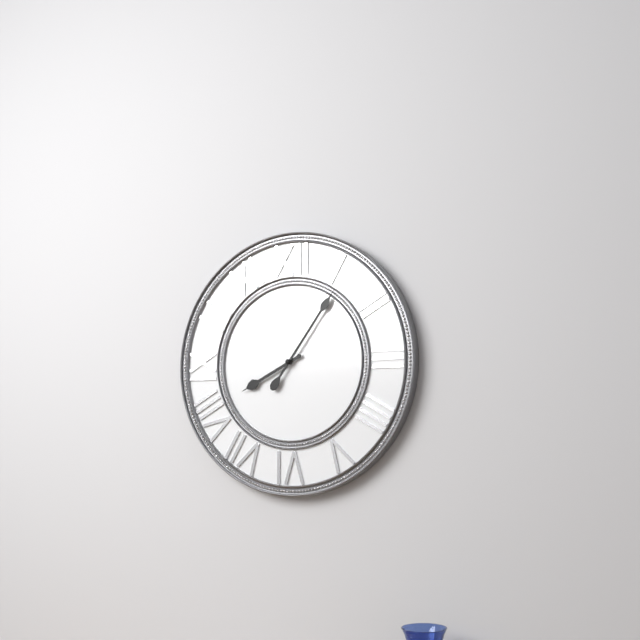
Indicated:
8 h 06 min
